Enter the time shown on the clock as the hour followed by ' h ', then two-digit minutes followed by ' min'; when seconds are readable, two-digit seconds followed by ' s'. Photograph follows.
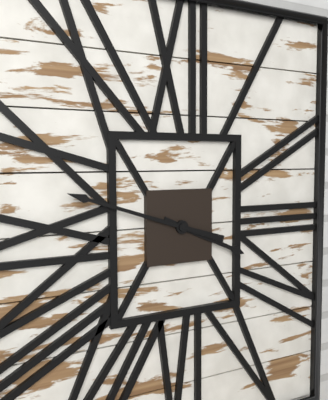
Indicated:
3 h 48 min
